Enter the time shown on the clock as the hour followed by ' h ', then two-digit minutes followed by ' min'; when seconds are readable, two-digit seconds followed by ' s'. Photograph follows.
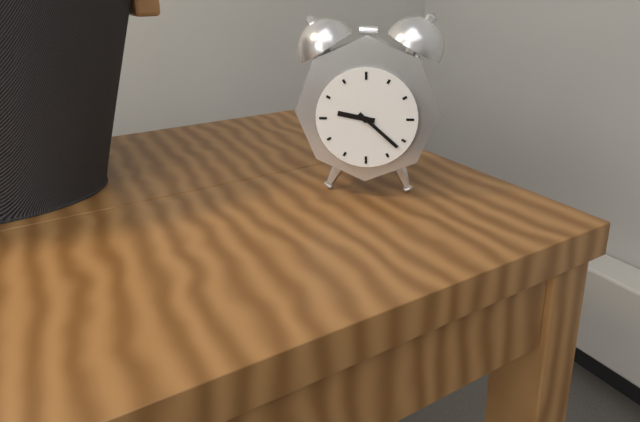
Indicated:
9 h 22 min
